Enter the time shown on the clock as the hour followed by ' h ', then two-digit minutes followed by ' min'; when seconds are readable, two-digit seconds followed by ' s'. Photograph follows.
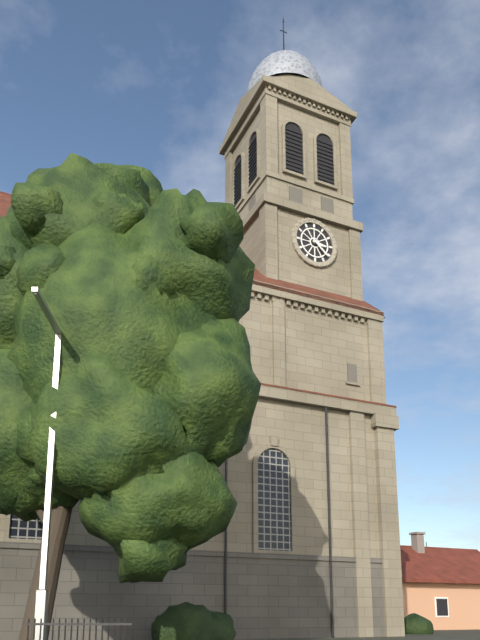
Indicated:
3 h 22 min
